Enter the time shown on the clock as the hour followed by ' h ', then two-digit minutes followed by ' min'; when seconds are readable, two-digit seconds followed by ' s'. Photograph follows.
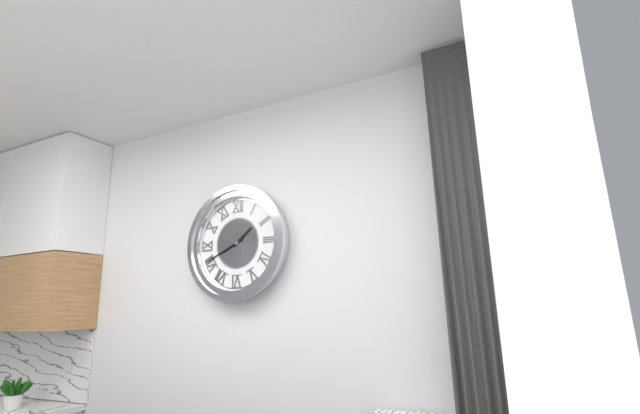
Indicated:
1 h 41 min
